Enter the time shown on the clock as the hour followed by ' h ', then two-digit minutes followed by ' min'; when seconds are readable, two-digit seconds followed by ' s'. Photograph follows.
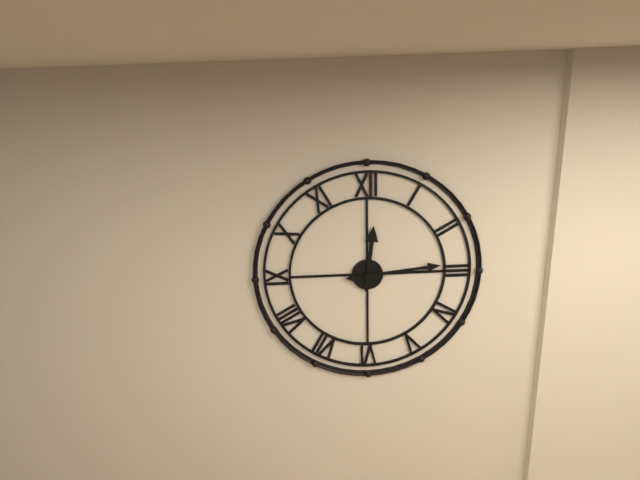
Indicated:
12 h 14 min
